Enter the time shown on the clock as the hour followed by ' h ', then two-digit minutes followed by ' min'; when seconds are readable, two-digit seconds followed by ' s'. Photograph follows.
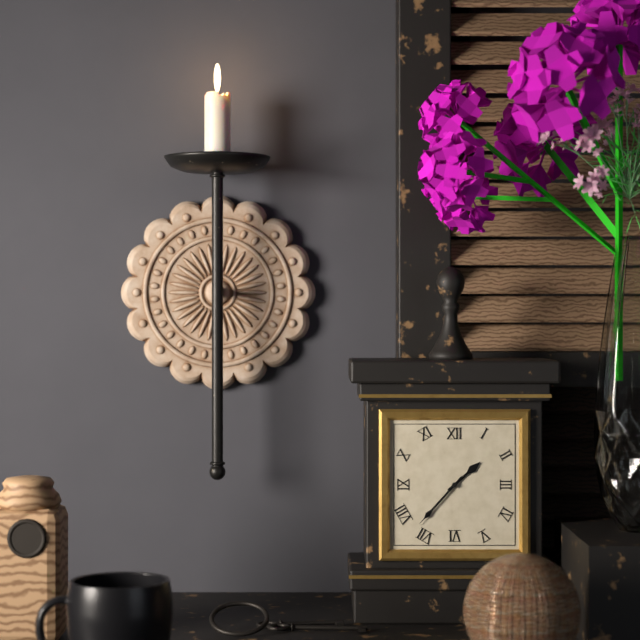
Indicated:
1 h 37 min
